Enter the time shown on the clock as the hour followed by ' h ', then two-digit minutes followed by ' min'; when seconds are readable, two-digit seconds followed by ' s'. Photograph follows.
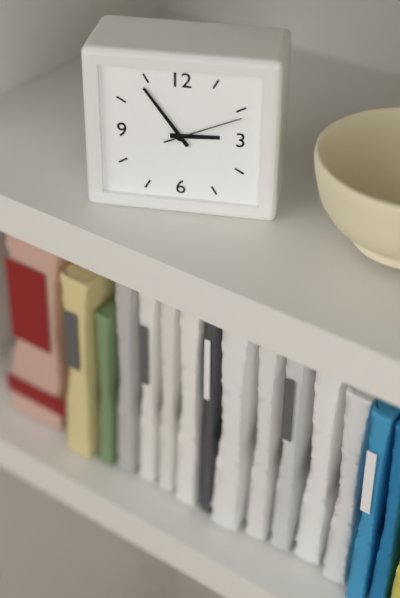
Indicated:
2 h 54 min 11 s
